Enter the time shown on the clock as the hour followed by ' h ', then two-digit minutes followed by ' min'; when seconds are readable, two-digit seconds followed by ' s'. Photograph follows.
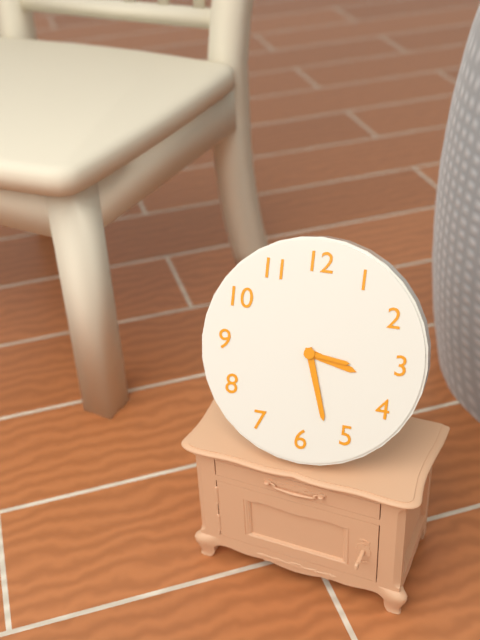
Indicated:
3 h 27 min 16 s
